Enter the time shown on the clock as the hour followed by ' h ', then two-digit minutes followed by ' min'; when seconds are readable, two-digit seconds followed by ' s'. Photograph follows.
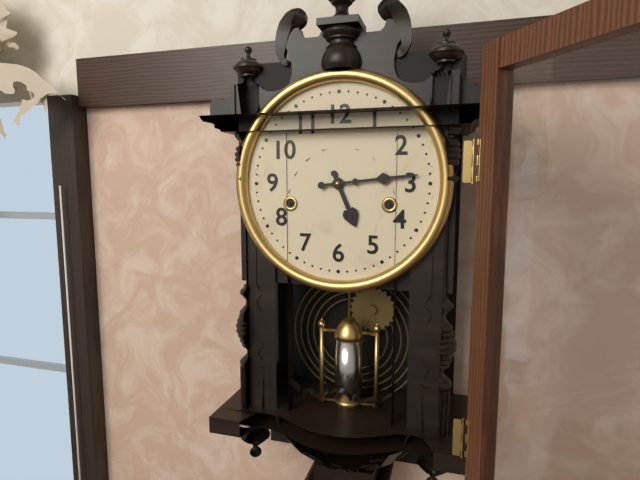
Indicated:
5 h 14 min
